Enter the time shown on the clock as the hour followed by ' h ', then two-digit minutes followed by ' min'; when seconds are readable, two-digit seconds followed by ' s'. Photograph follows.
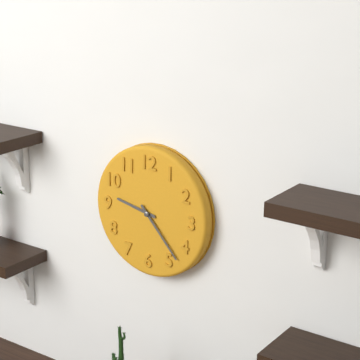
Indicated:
9 h 23 min
